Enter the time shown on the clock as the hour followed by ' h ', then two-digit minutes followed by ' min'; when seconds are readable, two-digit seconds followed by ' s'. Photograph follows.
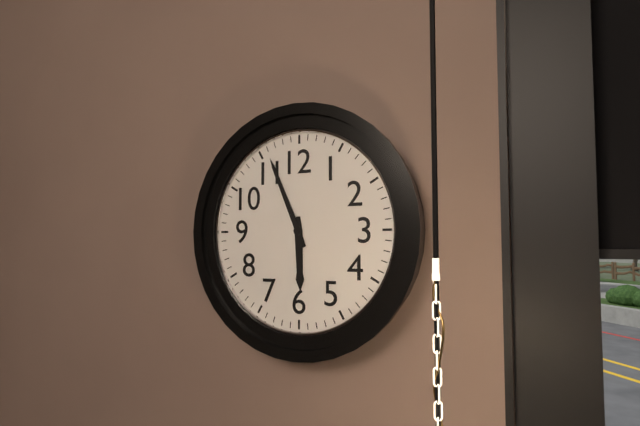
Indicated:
5 h 56 min
